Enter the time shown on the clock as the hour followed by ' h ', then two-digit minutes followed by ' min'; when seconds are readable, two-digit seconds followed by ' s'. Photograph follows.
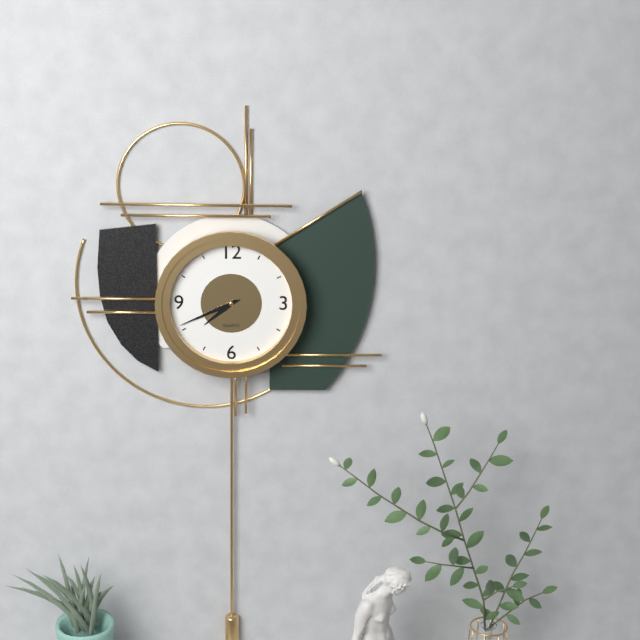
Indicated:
7 h 41 min
